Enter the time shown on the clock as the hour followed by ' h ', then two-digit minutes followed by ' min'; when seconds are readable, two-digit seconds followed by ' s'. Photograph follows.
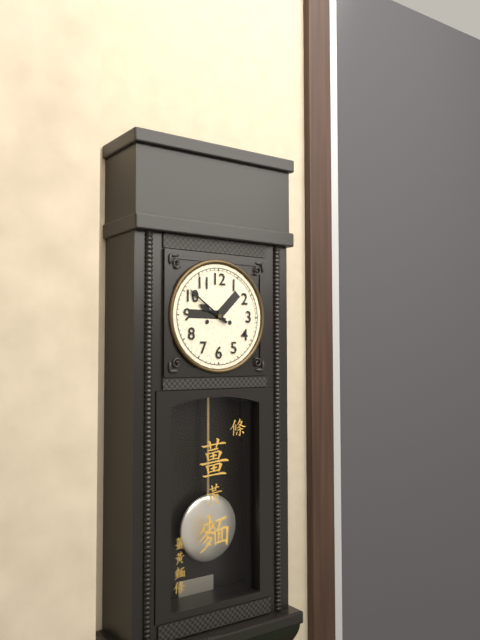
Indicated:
9 h 51 min
